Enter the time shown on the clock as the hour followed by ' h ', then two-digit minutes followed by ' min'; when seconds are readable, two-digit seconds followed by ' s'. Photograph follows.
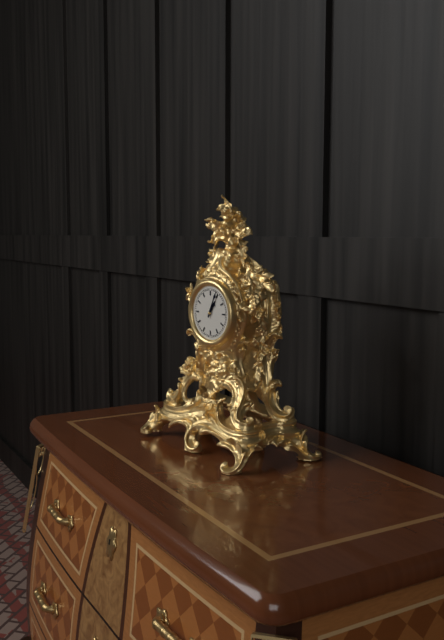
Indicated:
1 h 04 min
